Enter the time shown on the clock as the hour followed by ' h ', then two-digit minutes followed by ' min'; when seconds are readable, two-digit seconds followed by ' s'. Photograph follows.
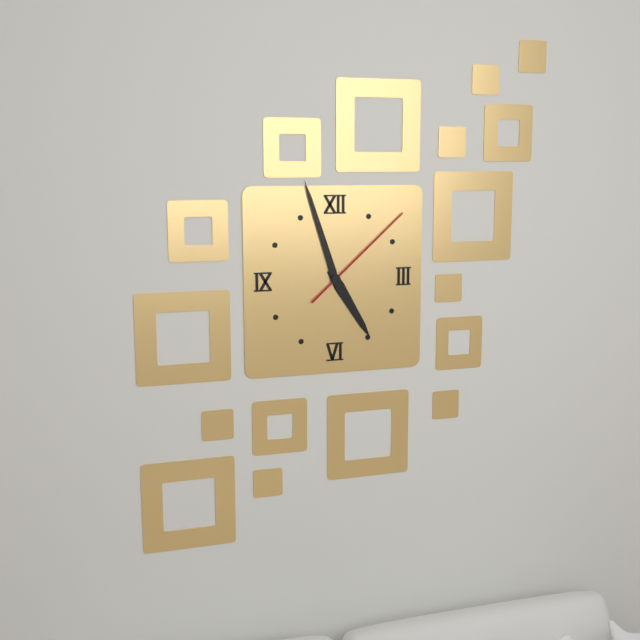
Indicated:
4 h 57 min 08 s
